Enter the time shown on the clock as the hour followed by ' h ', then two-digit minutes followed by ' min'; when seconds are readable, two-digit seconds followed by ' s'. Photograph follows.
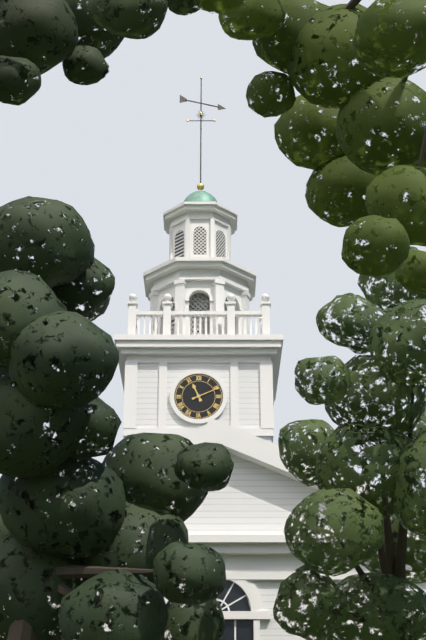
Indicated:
11 h 11 min
